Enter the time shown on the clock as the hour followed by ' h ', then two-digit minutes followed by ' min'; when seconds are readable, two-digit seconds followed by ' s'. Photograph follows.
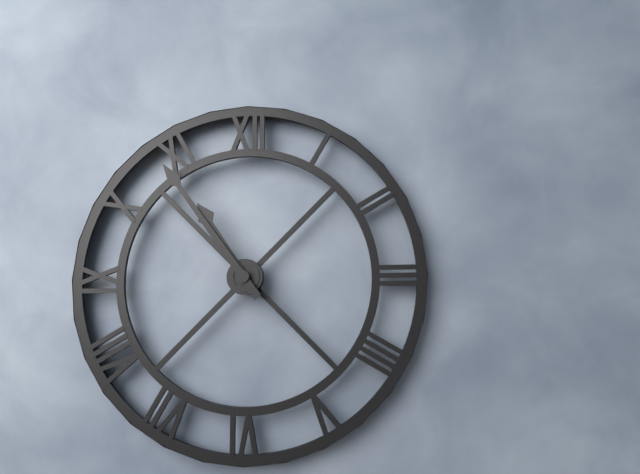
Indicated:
10 h 54 min
